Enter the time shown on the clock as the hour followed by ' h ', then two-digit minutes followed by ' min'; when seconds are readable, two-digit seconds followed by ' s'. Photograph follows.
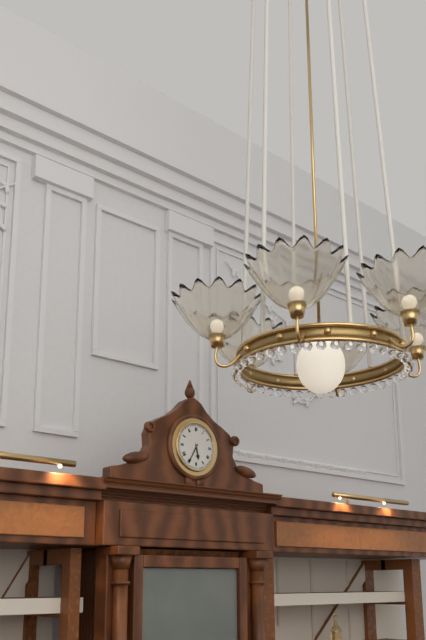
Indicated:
5 h 35 min
